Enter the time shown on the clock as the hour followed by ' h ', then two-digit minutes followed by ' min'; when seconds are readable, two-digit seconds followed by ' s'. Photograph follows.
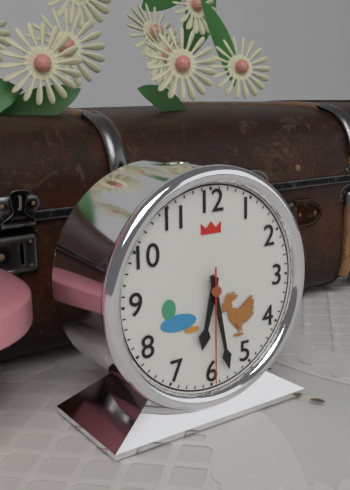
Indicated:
6 h 28 min 30 s
